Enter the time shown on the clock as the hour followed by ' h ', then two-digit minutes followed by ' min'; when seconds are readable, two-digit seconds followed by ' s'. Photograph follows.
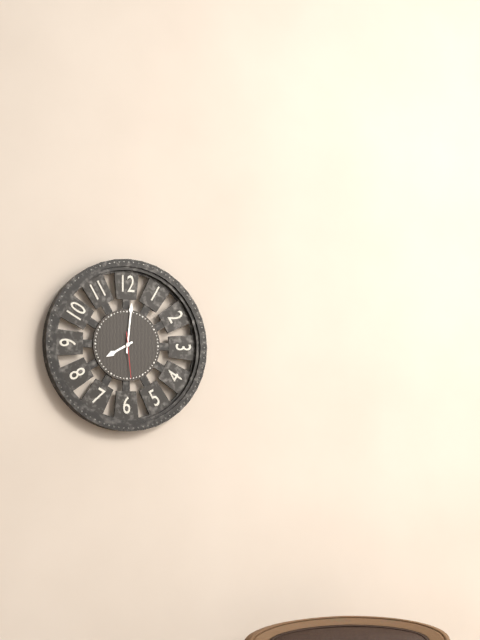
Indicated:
8 h 01 min
